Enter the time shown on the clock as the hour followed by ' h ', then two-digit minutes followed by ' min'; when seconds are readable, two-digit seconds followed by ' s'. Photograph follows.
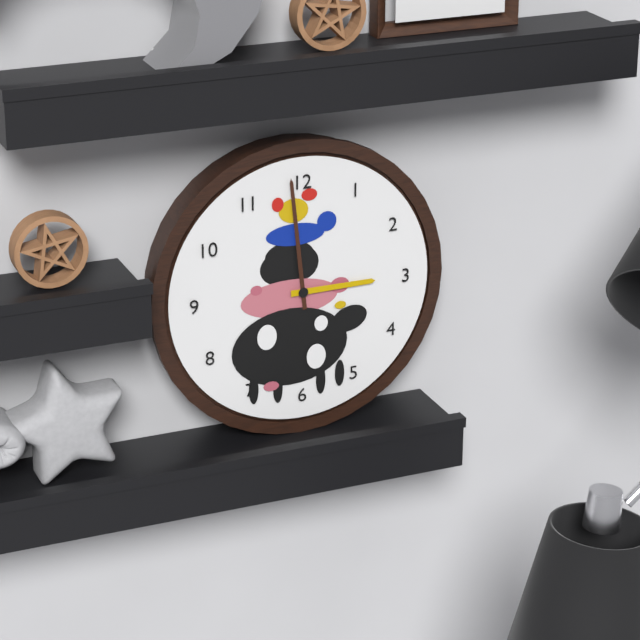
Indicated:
2 h 59 min
